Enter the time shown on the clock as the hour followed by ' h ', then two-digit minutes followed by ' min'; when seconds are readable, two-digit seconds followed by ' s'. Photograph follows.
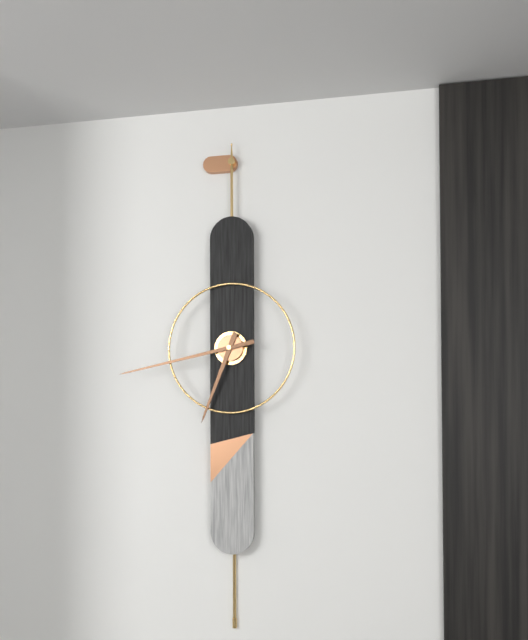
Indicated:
6 h 43 min
